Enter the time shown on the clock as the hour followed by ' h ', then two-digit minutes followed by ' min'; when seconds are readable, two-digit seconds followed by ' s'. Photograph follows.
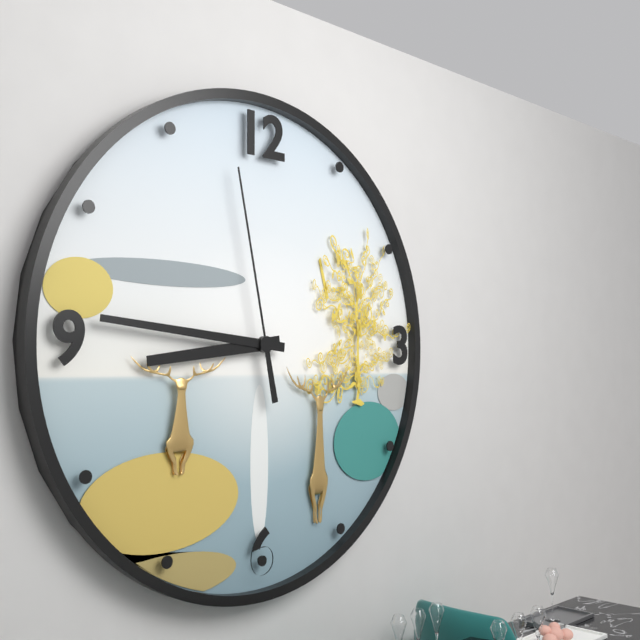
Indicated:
8 h 46 min 58 s
